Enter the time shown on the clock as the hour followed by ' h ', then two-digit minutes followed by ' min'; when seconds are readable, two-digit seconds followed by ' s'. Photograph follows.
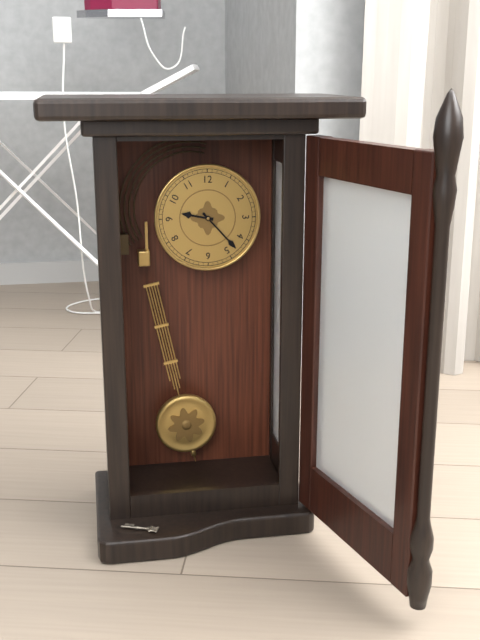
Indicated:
9 h 23 min
